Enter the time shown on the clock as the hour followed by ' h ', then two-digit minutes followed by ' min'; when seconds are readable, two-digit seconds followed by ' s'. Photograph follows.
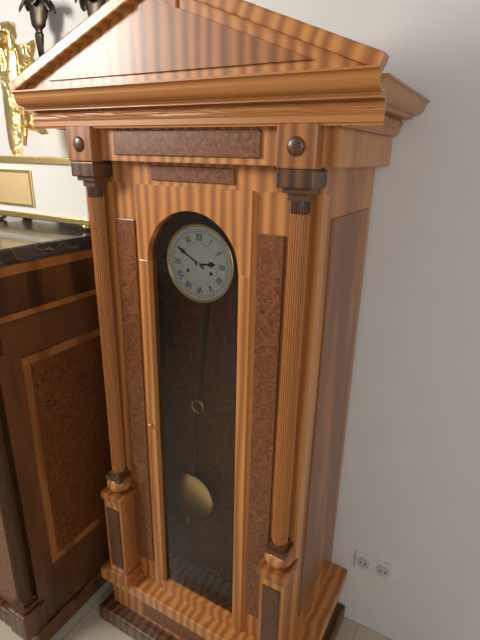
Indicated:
2 h 50 min
